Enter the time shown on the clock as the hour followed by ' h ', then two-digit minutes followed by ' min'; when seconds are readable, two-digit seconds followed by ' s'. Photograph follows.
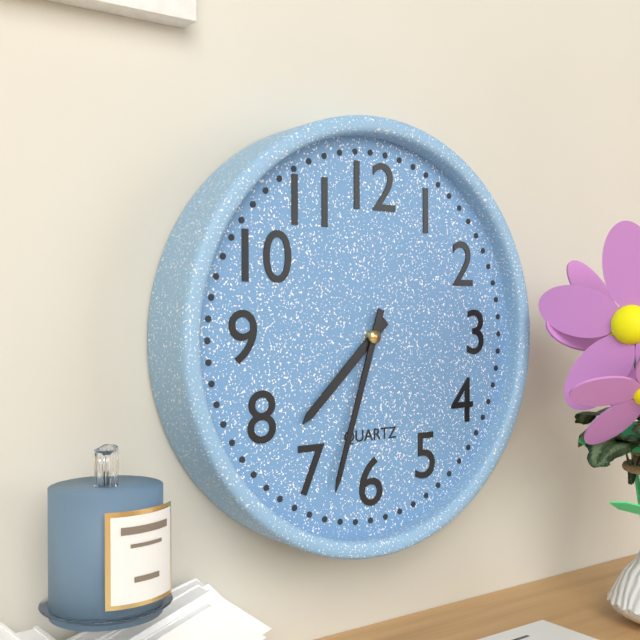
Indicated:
7 h 33 min
